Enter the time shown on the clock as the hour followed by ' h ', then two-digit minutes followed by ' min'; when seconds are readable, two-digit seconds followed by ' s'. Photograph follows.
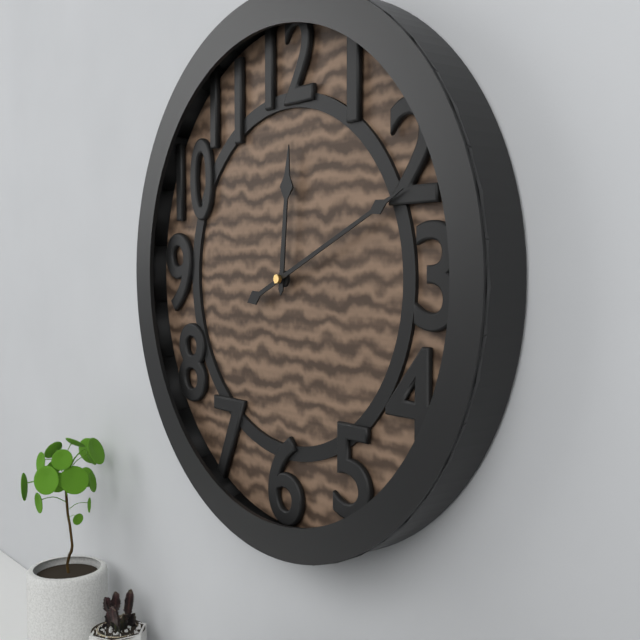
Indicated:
12 h 11 min
